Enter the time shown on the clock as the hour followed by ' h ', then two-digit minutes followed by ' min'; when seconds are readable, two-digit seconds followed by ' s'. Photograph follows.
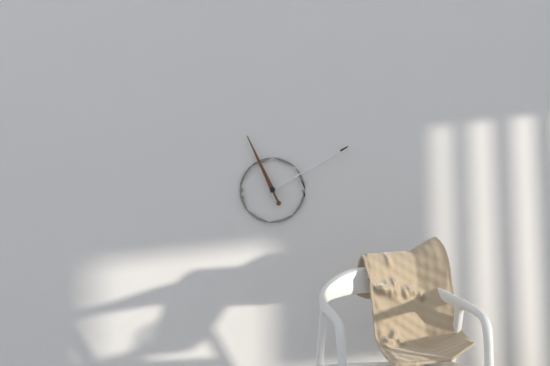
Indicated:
11 h 10 min
